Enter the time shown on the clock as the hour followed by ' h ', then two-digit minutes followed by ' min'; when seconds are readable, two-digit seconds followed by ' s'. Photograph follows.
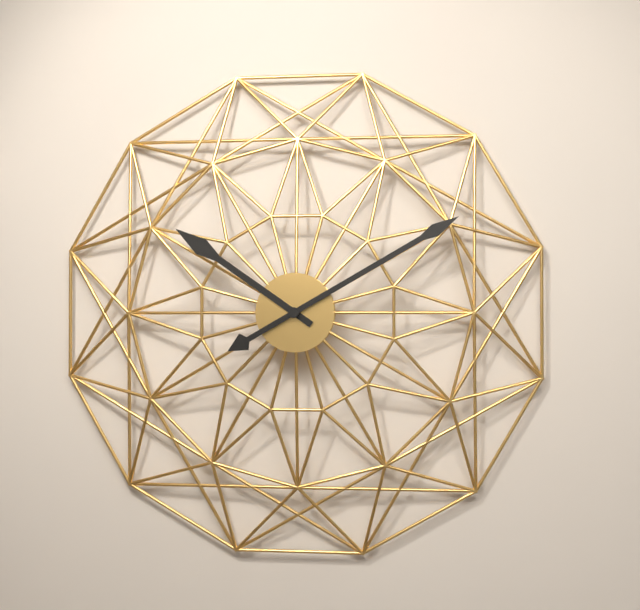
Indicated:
10 h 10 min
